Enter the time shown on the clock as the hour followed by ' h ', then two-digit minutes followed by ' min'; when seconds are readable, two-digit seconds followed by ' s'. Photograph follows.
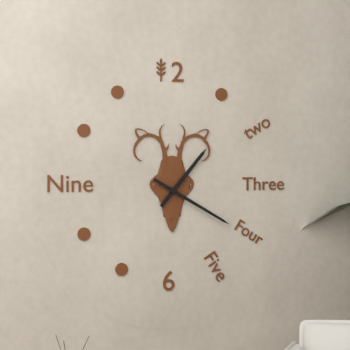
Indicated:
1 h 20 min
